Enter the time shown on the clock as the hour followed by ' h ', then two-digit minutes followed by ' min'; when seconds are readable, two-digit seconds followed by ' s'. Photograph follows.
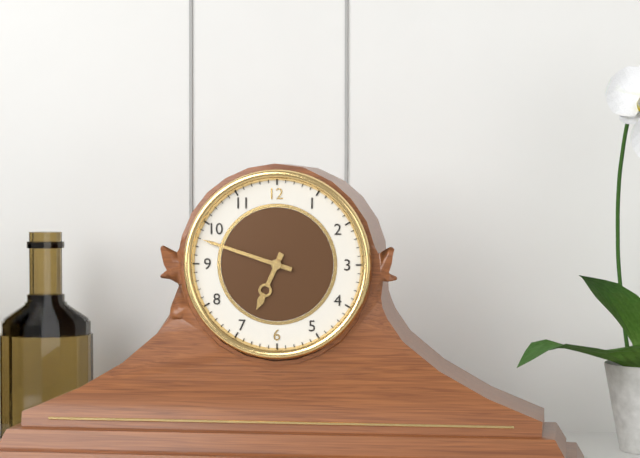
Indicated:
6 h 48 min
